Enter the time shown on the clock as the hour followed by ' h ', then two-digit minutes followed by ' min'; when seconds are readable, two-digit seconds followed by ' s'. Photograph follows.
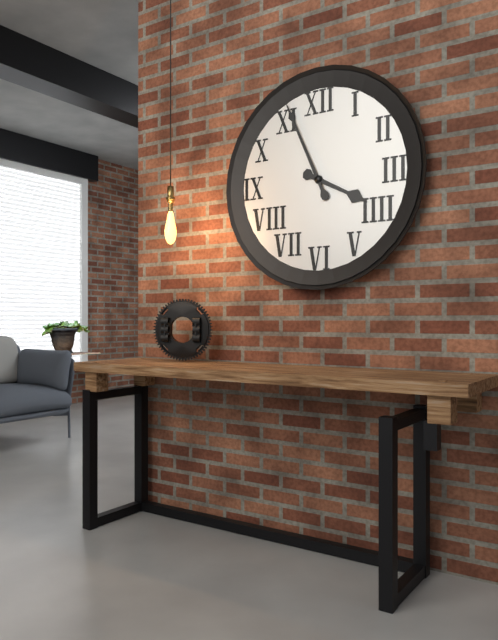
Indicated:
3 h 56 min
